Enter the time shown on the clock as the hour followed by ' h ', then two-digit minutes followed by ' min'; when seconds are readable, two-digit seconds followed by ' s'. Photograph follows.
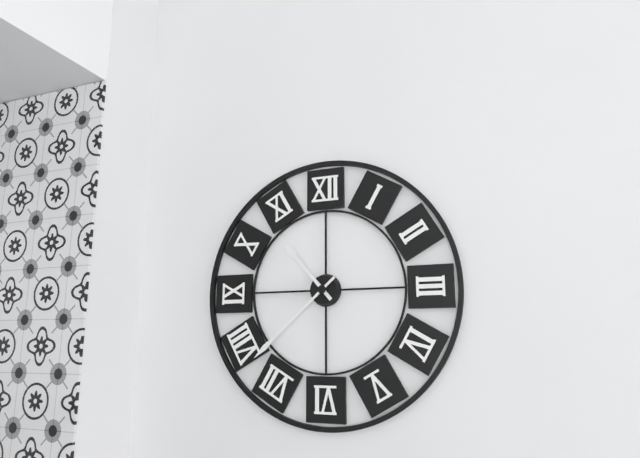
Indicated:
10 h 38 min
